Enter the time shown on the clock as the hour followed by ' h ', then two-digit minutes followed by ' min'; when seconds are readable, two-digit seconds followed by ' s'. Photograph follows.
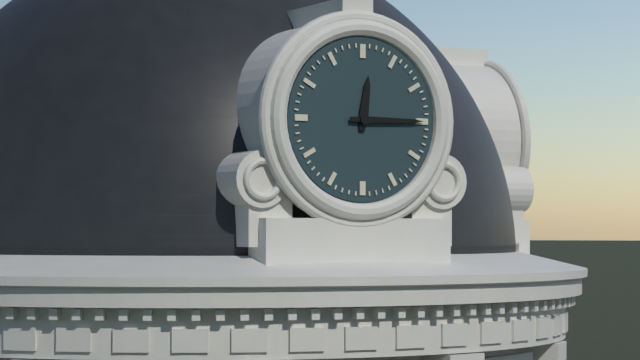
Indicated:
12 h 15 min
